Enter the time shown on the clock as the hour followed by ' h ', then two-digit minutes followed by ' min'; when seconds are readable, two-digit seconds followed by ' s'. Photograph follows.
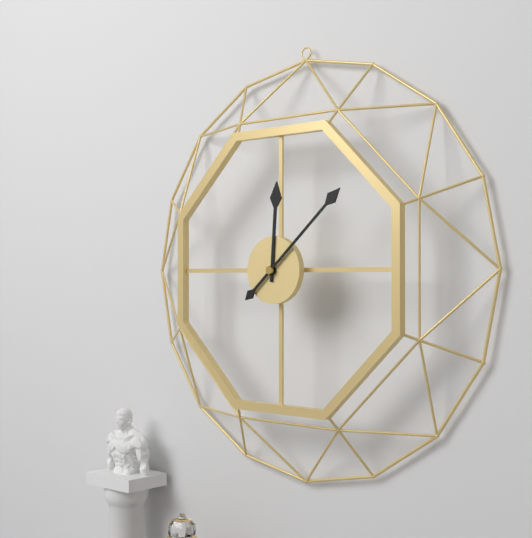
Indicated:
12 h 08 min
